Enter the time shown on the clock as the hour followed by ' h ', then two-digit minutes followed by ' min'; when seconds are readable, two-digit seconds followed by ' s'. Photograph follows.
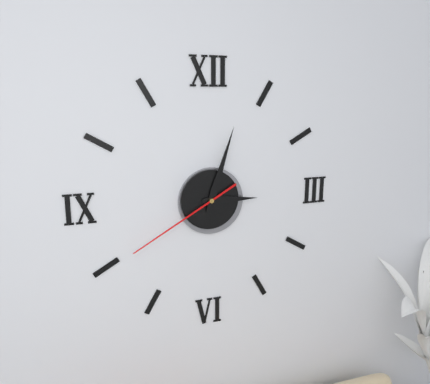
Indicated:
3 h 03 min 40 s
